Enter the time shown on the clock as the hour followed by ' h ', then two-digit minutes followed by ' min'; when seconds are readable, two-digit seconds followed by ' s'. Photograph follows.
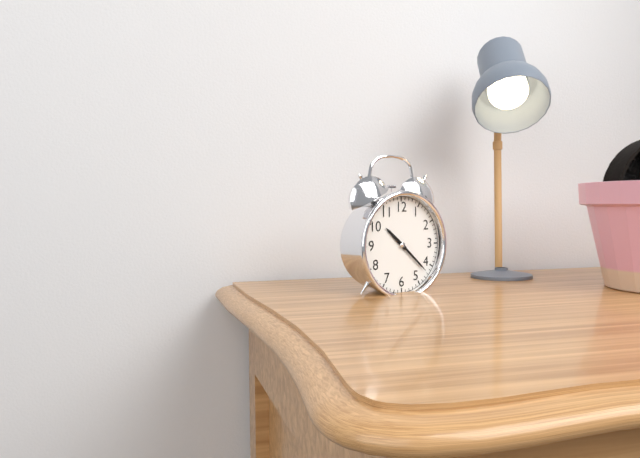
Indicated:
10 h 22 min
